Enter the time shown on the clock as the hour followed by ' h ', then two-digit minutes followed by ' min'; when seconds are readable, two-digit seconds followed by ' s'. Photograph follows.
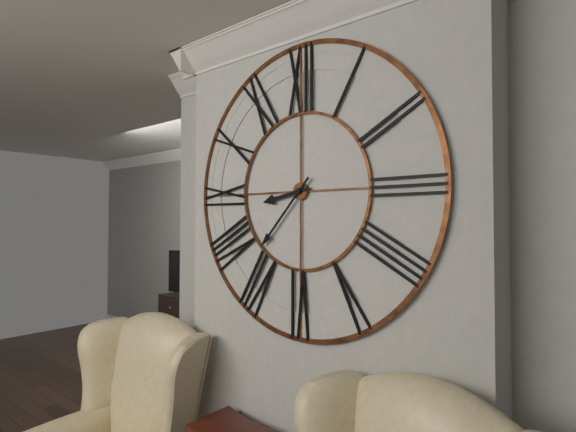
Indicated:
8 h 37 min
